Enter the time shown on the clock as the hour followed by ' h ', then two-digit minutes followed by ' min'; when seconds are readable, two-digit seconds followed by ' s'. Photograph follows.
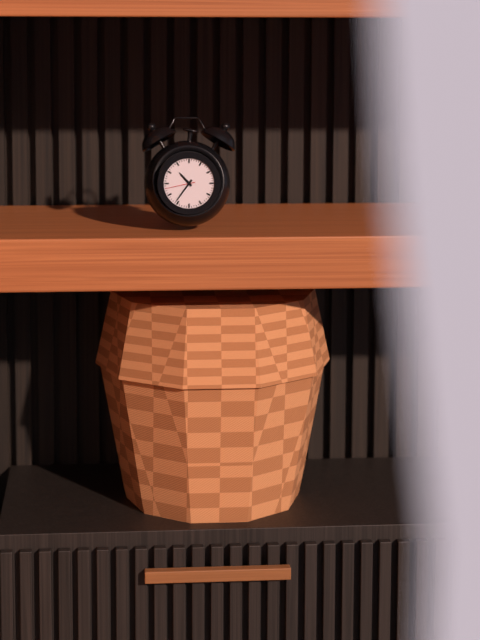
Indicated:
10 h 36 min
